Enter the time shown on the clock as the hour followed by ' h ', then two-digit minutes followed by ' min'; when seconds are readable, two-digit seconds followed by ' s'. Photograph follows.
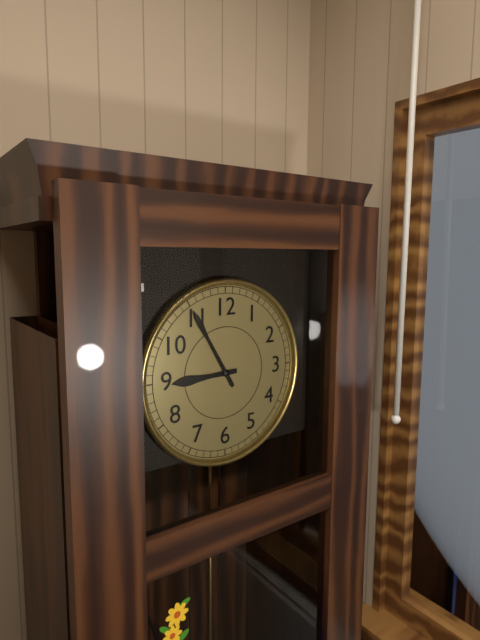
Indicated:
8 h 55 min
